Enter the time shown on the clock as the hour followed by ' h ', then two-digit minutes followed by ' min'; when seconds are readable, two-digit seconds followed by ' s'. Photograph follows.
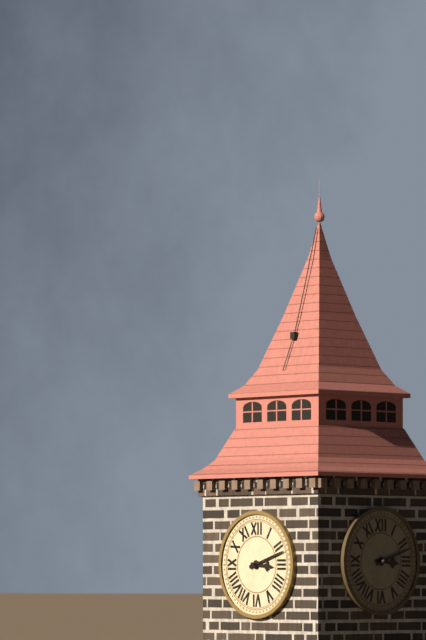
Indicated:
3 h 12 min
